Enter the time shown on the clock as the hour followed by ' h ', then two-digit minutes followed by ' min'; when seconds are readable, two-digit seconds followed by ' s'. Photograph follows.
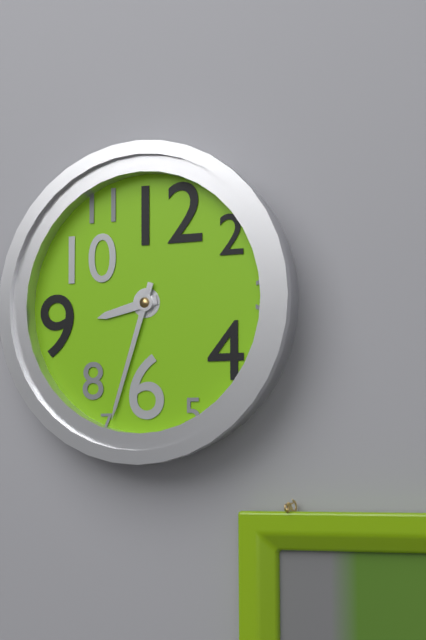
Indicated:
8 h 33 min
